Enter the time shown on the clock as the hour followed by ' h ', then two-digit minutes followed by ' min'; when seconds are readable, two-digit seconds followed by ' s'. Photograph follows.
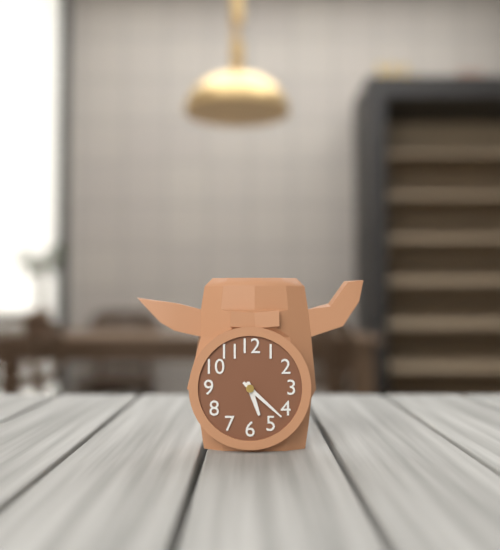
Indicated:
5 h 22 min
